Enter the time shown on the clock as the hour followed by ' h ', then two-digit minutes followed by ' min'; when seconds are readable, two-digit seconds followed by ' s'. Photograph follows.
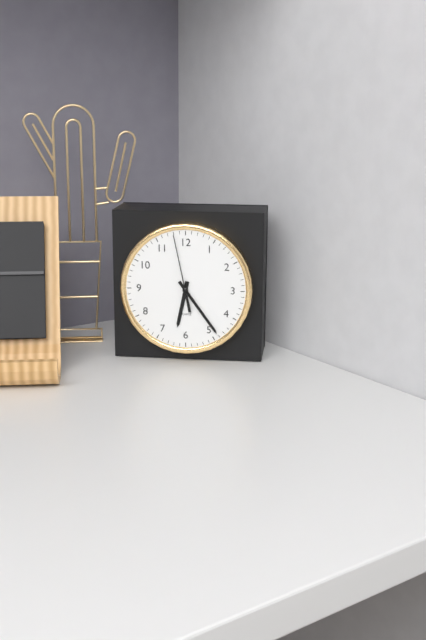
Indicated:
6 h 24 min 58 s
